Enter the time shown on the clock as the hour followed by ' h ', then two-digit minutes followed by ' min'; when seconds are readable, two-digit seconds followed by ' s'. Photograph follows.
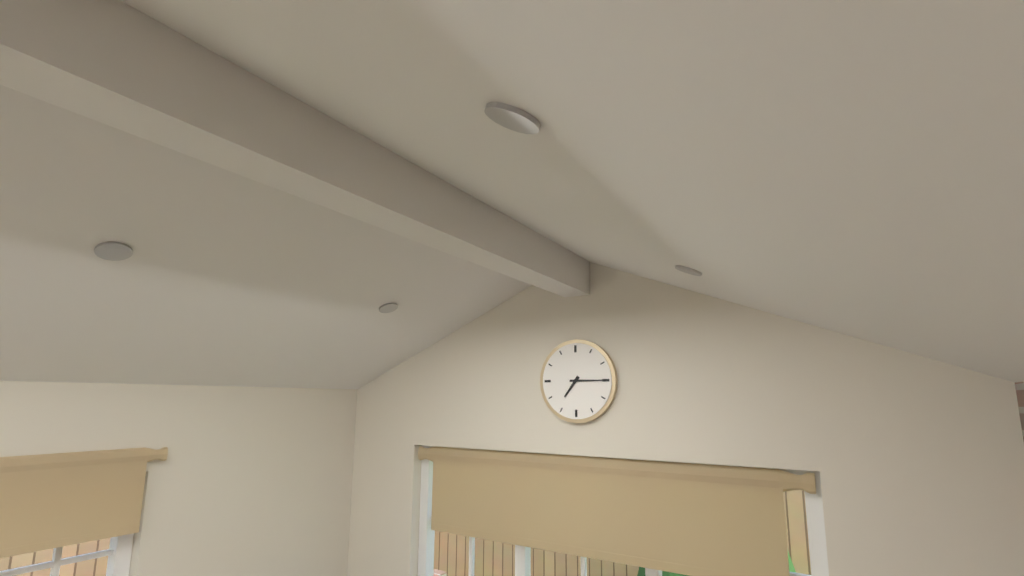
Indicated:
7 h 15 min
